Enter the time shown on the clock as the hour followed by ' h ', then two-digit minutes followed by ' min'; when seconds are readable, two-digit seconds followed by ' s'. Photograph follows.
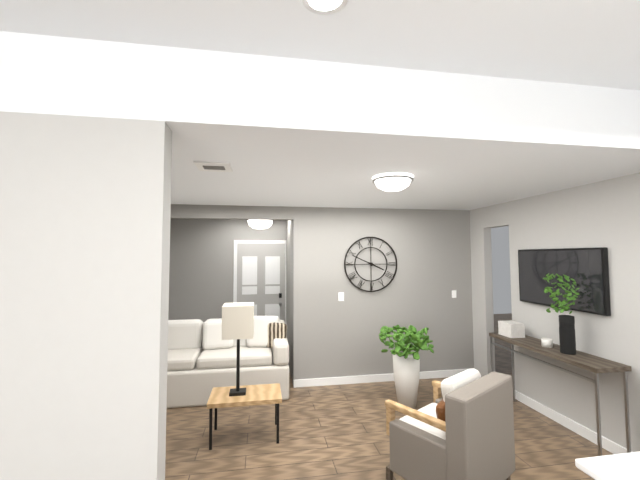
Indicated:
3 h 49 min
